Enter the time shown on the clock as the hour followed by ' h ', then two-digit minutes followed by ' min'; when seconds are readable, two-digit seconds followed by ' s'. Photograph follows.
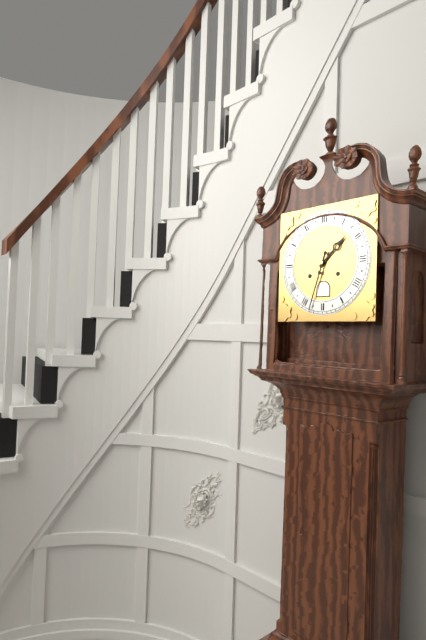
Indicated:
1 h 33 min
